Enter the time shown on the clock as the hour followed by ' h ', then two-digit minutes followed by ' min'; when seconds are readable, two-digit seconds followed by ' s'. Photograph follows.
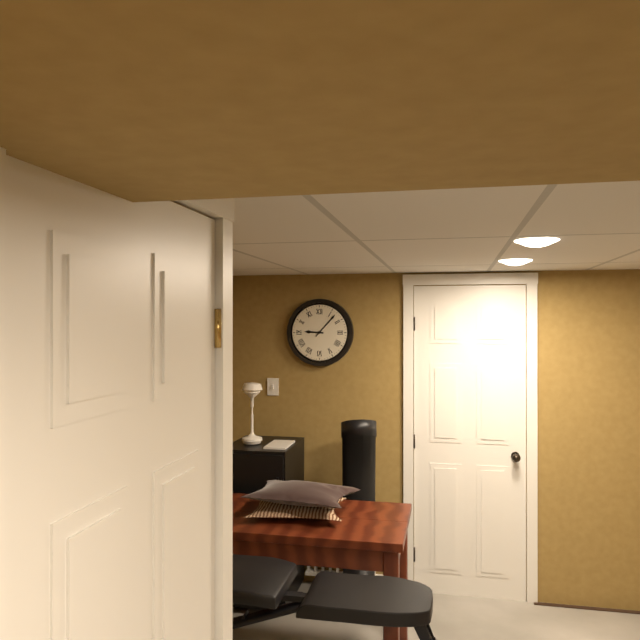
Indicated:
9 h 07 min
